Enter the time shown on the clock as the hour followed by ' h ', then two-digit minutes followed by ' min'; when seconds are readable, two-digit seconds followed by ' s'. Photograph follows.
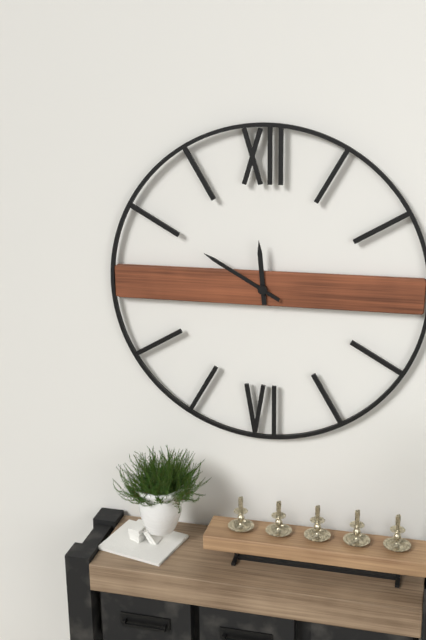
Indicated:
11 h 50 min
